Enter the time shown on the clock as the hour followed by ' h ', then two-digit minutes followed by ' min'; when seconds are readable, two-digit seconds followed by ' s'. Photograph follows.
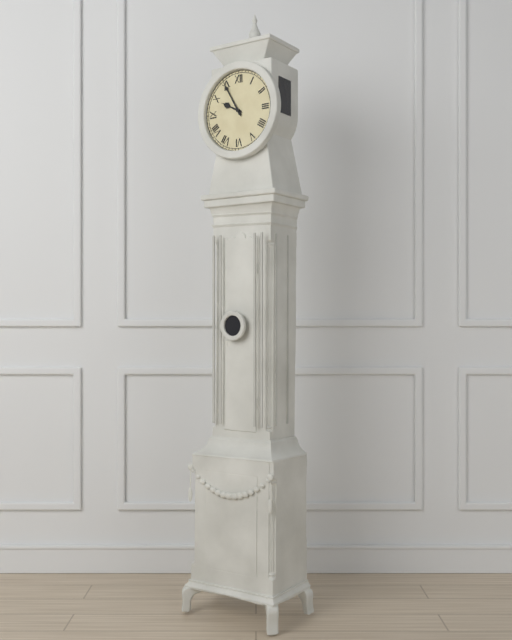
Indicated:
9 h 55 min
